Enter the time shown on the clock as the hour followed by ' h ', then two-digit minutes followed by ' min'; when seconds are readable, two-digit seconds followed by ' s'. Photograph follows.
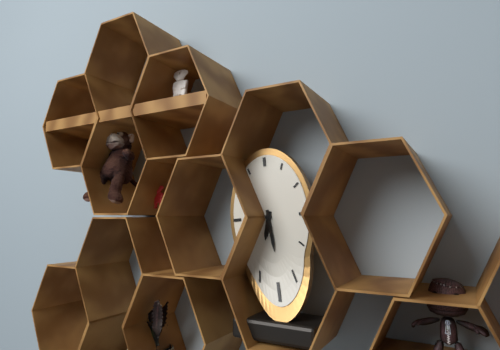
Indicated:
6 h 29 min
